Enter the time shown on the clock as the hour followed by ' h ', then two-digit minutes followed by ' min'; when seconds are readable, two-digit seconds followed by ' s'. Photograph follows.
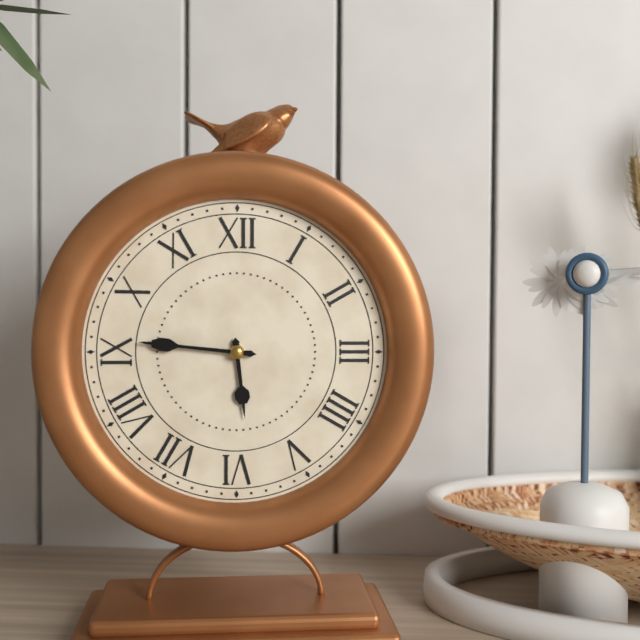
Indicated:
5 h 46 min
